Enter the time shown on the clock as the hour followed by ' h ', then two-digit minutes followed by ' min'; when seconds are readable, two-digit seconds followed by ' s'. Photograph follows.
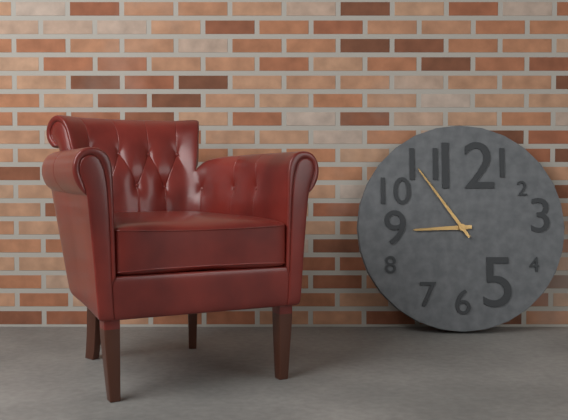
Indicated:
8 h 54 min
